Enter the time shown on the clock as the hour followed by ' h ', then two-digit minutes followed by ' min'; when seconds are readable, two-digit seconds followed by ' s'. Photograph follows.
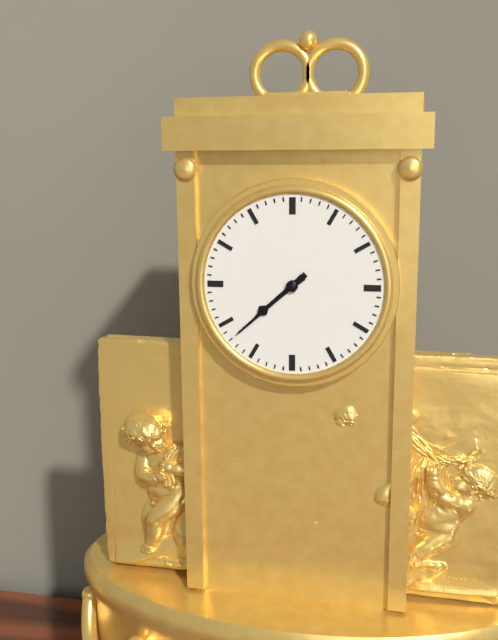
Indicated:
7 h 38 min
